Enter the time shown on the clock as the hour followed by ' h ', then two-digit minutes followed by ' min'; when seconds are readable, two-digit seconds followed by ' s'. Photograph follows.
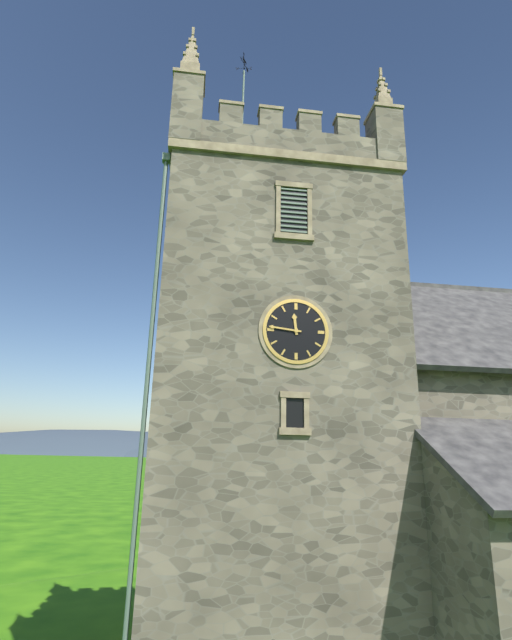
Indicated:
11 h 46 min
